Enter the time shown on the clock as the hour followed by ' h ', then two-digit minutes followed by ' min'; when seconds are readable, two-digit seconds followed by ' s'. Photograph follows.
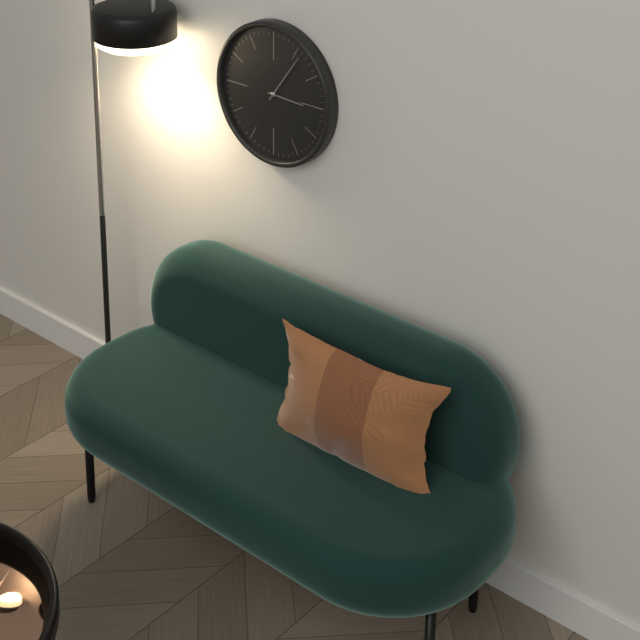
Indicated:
3 h 06 min
